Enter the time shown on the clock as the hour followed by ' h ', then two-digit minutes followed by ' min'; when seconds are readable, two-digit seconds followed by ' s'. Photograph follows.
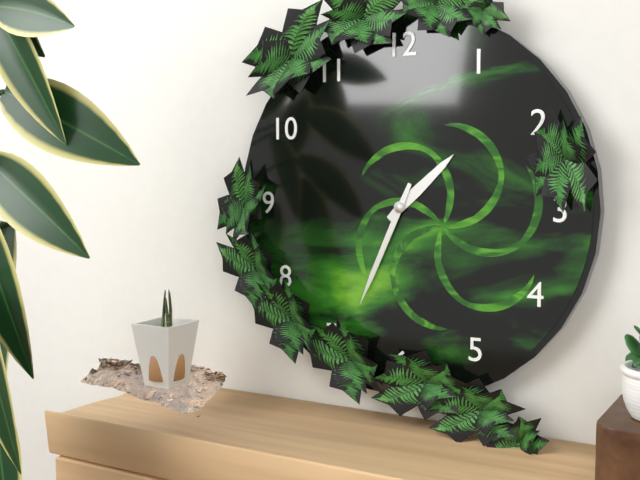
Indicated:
1 h 34 min
